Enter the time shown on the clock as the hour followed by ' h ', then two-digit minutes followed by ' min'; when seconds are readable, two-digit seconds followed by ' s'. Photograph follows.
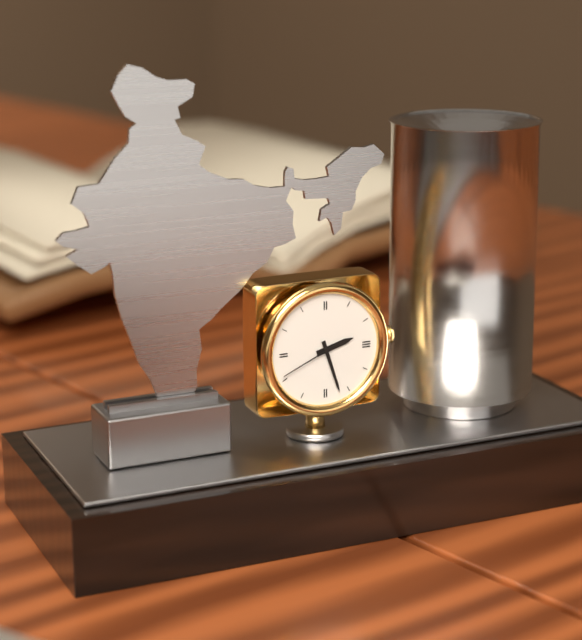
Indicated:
2 h 27 min 41 s
